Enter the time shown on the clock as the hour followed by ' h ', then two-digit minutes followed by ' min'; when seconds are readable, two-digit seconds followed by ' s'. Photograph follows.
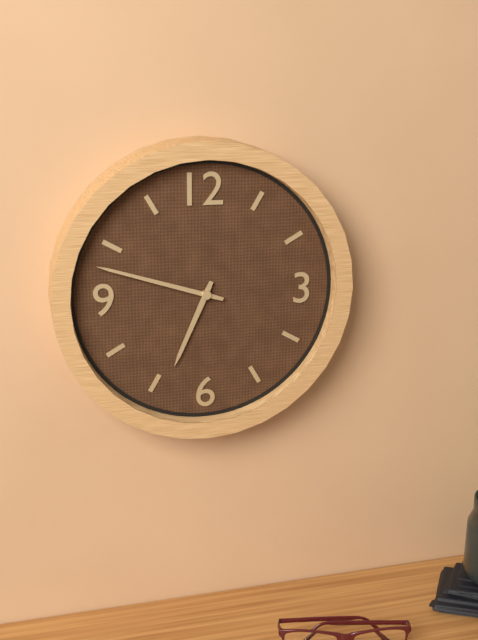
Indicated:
6 h 48 min
